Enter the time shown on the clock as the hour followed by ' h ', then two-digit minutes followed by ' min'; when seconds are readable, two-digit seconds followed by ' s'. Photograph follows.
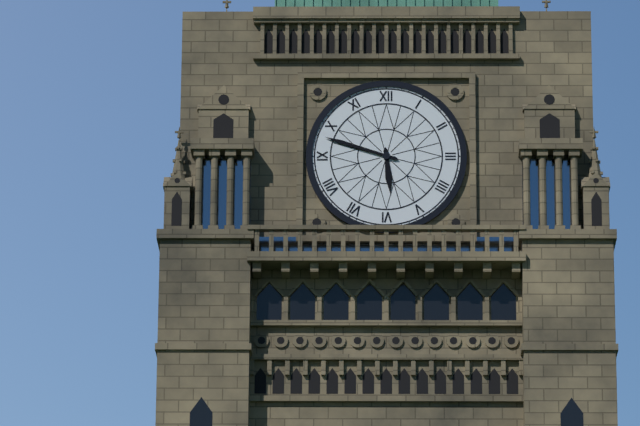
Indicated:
5 h 48 min
